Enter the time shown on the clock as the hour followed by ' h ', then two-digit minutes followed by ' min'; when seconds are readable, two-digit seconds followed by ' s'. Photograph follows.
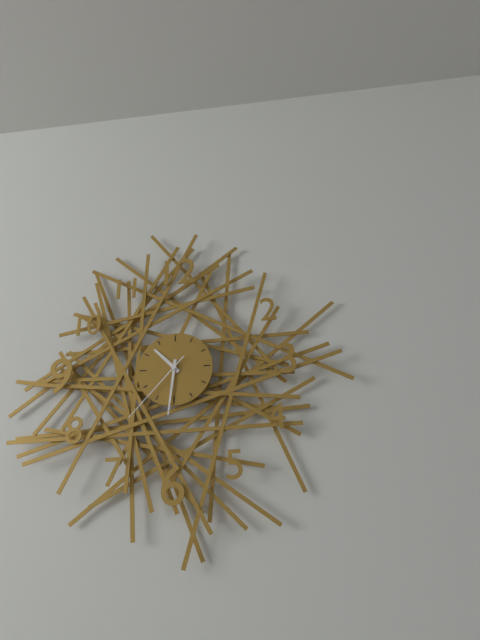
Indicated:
10 h 31 min 37 s
